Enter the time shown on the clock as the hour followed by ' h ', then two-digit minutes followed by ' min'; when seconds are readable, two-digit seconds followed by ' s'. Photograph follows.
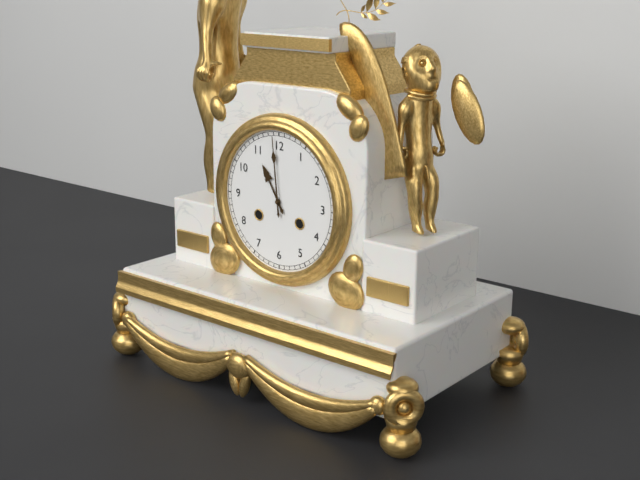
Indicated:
10 h 59 min
